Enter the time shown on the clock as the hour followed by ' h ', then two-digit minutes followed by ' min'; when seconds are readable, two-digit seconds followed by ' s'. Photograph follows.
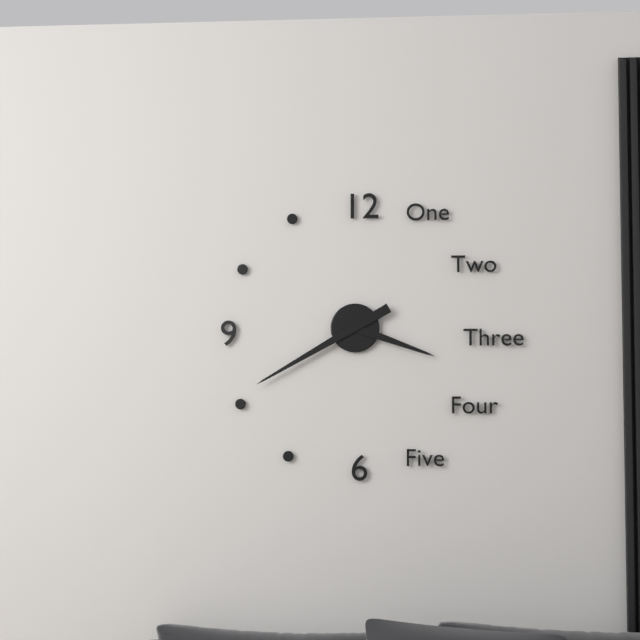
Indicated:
3 h 40 min
